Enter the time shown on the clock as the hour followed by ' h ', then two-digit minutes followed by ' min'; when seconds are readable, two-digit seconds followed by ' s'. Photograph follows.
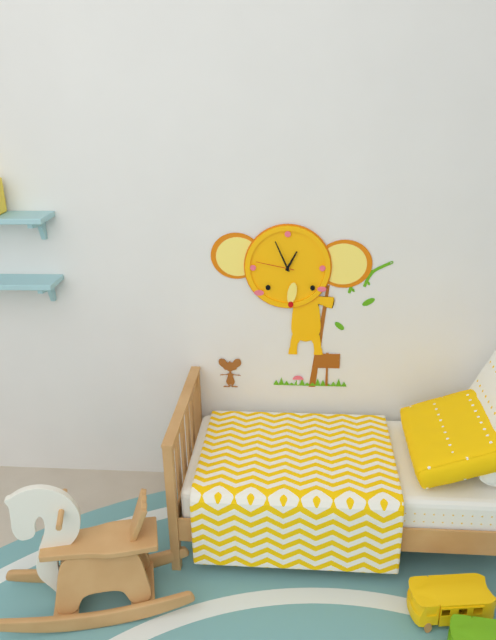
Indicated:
12 h 56 min
